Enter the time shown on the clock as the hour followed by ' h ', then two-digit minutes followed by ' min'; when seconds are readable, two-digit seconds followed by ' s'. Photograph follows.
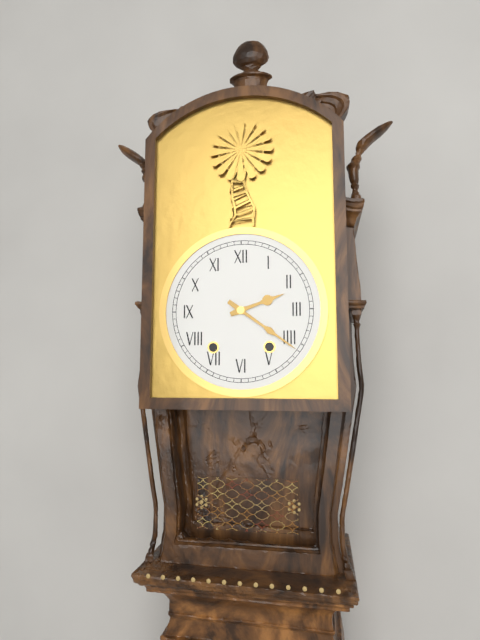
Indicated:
2 h 21 min
